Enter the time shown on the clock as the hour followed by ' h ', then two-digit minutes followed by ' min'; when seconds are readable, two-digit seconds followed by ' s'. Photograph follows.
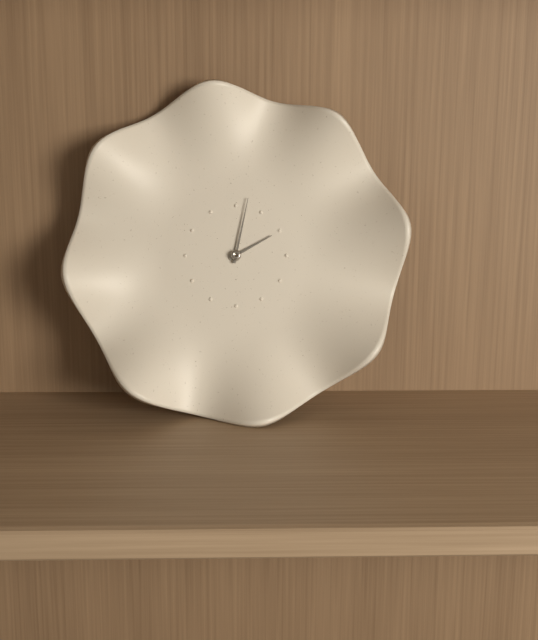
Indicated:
2 h 02 min
